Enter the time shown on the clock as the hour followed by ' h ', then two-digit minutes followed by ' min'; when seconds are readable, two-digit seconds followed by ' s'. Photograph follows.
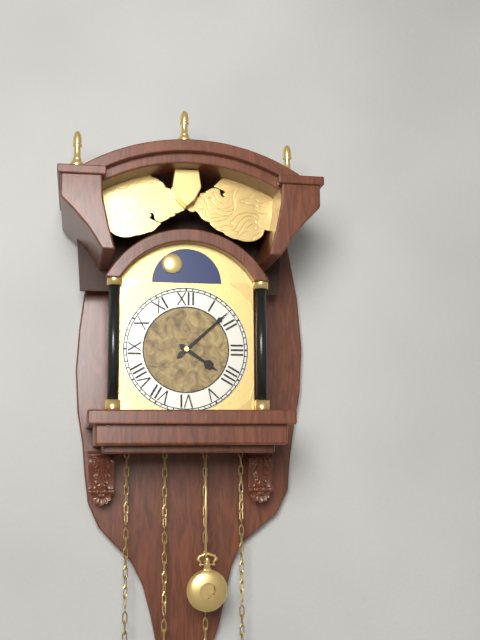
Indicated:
4 h 08 min
